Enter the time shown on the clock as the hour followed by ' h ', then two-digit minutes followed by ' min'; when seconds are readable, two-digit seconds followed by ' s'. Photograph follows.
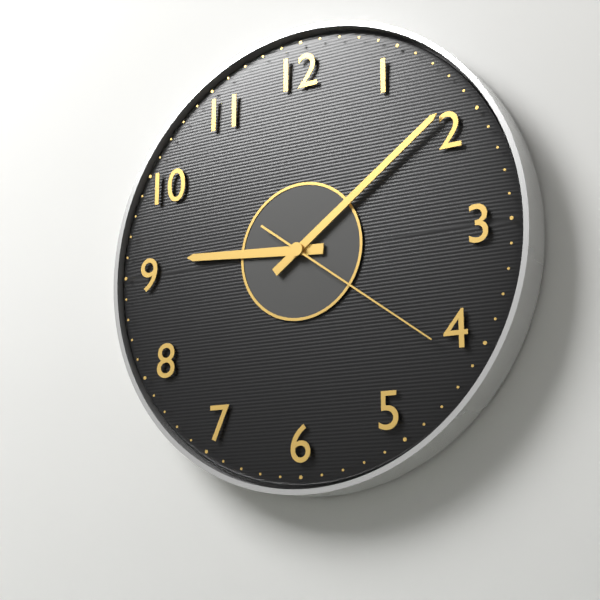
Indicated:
9 h 09 min 21 s
